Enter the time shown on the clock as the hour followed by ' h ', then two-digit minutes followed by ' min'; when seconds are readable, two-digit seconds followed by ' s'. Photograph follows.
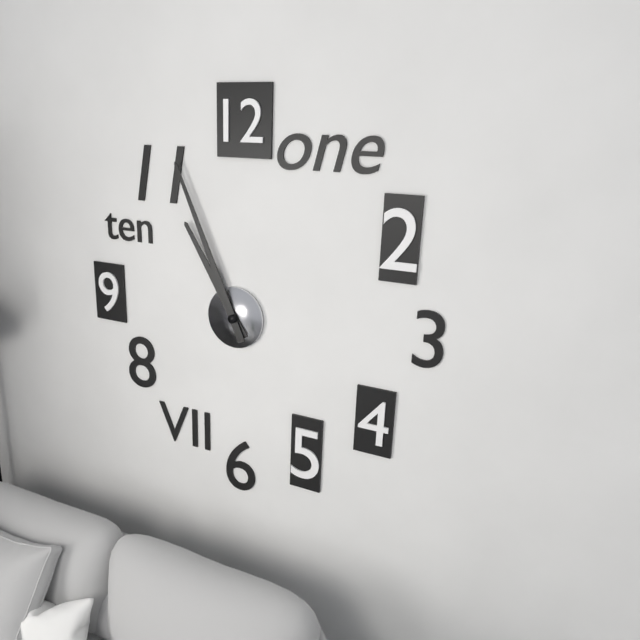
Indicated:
10 h 56 min
